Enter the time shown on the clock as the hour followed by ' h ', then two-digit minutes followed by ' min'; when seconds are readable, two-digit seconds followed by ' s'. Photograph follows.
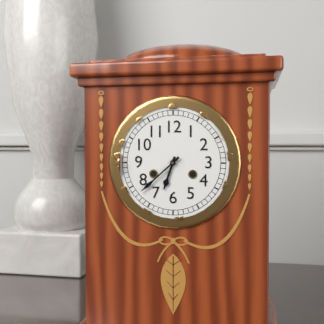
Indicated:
6 h 38 min
